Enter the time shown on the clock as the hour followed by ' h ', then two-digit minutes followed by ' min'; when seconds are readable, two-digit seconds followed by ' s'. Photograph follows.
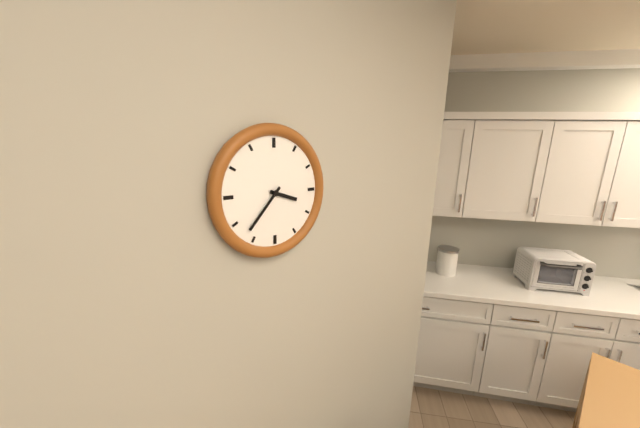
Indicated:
3 h 37 min
